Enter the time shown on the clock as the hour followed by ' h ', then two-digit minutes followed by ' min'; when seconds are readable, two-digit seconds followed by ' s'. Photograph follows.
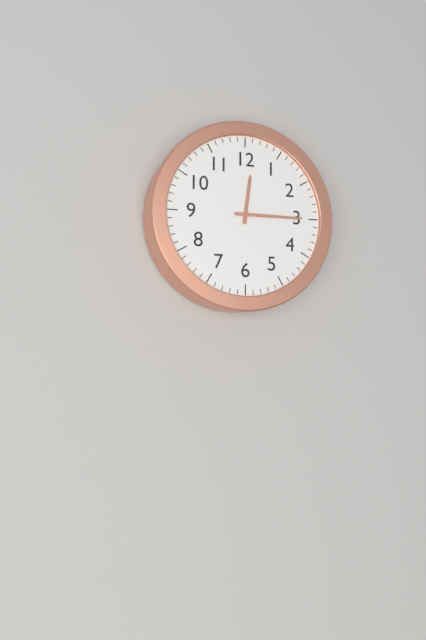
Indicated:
12 h 15 min
